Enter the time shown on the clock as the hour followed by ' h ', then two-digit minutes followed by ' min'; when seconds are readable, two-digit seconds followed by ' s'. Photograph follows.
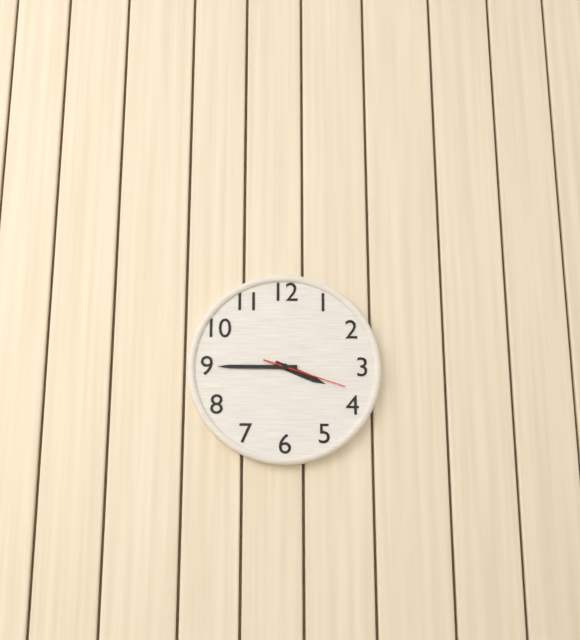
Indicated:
3 h 45 min 18 s
